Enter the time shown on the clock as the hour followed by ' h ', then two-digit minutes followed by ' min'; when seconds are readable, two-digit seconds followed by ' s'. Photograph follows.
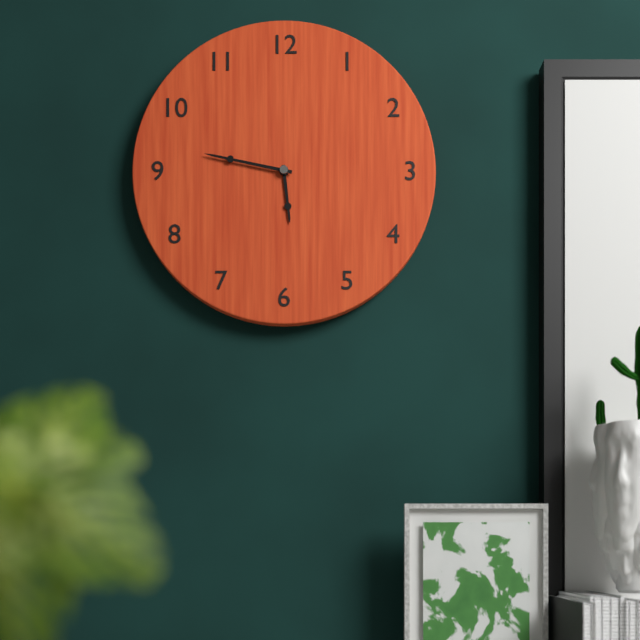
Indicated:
5 h 47 min
